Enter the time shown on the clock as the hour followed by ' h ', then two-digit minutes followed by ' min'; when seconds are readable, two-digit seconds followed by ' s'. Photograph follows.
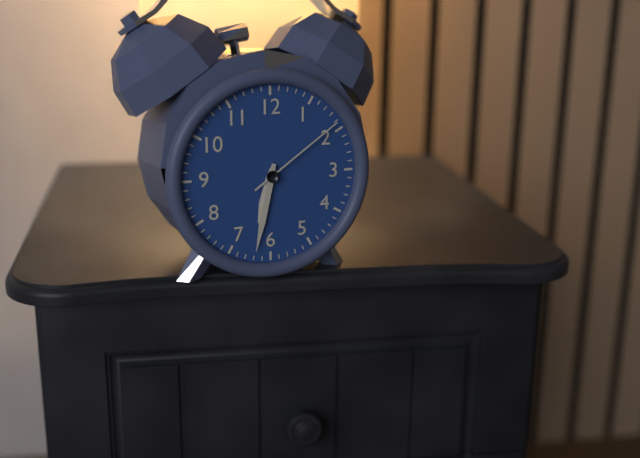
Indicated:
6 h 32 min 09 s
